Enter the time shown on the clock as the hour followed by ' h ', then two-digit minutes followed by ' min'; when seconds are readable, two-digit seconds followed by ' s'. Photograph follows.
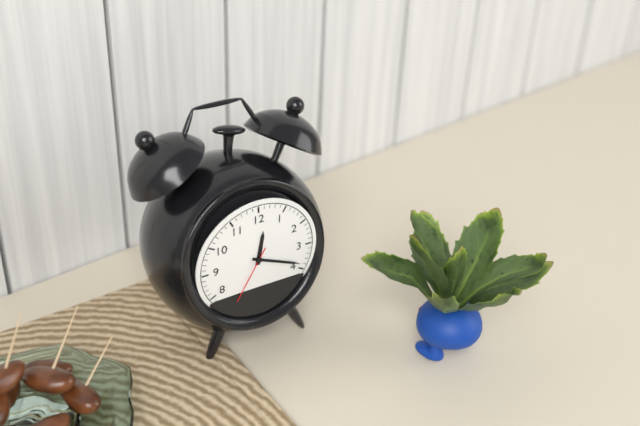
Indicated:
12 h 19 min 35 s
